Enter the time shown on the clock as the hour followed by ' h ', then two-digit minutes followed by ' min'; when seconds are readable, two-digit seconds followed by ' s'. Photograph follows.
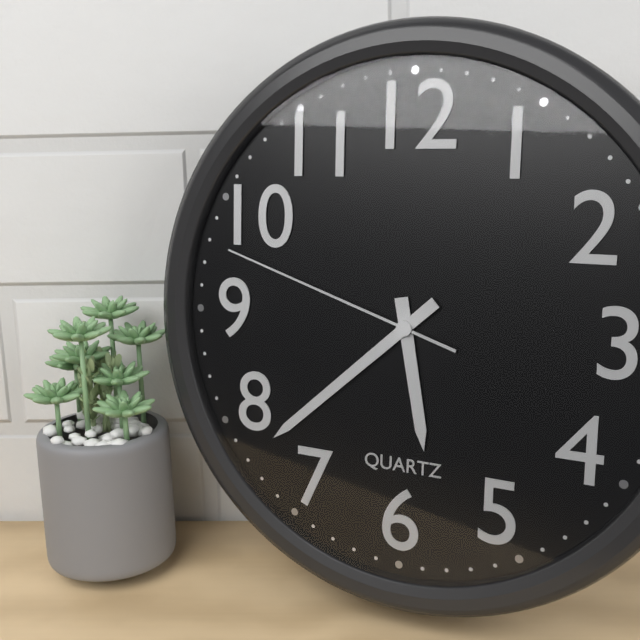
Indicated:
5 h 38 min 48 s
